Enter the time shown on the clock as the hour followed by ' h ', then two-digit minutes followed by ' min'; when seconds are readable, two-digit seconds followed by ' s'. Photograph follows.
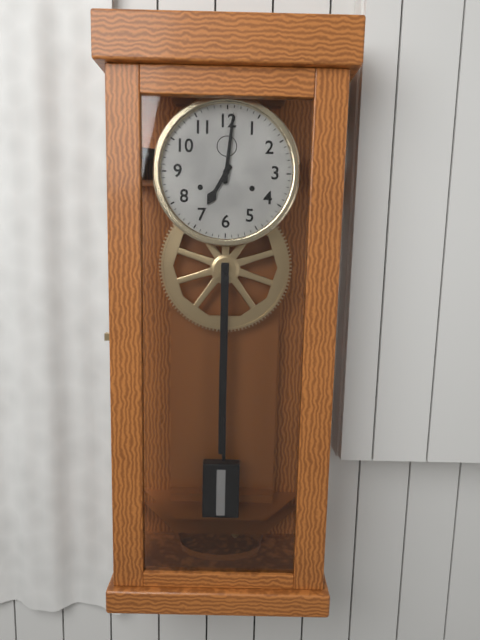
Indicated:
7 h 01 min
